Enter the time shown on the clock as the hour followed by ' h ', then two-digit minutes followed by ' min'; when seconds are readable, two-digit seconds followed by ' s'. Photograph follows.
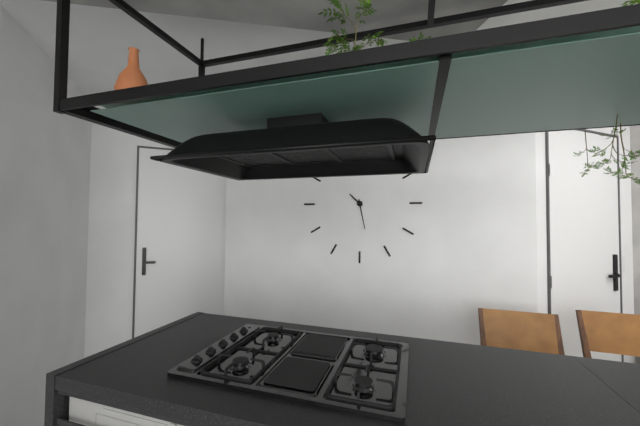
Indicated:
10 h 28 min
